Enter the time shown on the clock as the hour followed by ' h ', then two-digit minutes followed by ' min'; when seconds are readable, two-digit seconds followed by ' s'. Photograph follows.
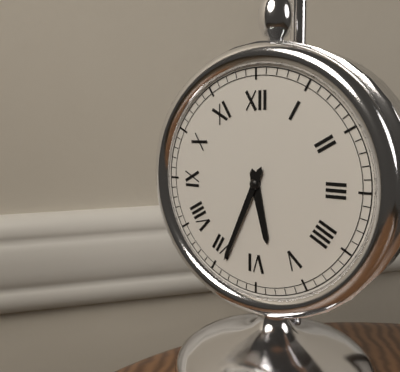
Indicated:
5 h 34 min
